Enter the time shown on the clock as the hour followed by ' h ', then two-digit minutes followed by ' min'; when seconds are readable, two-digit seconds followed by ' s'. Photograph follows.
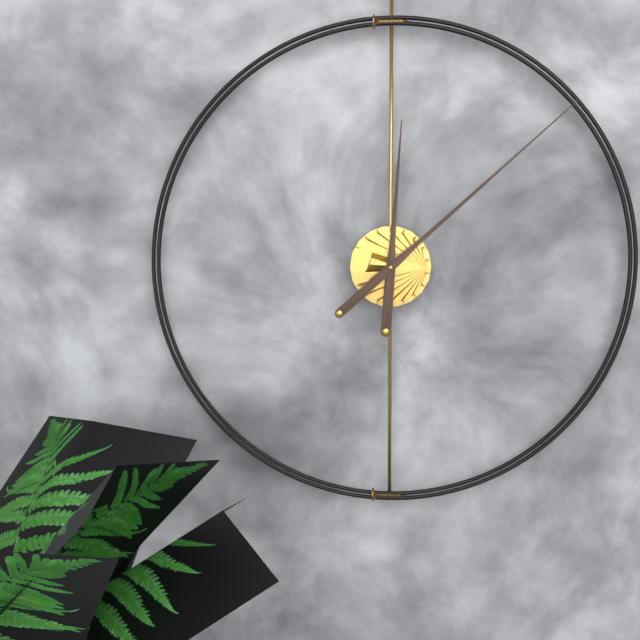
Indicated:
12 h 08 min
